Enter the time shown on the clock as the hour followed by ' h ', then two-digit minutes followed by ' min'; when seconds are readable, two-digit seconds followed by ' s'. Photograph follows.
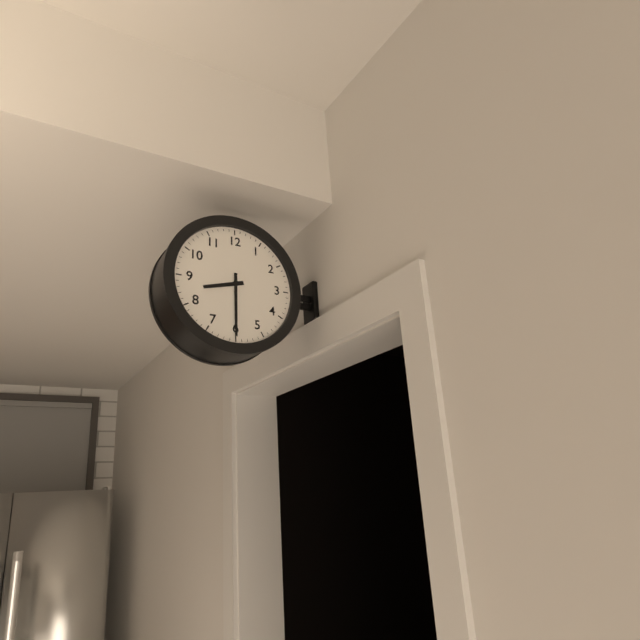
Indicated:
8 h 30 min
